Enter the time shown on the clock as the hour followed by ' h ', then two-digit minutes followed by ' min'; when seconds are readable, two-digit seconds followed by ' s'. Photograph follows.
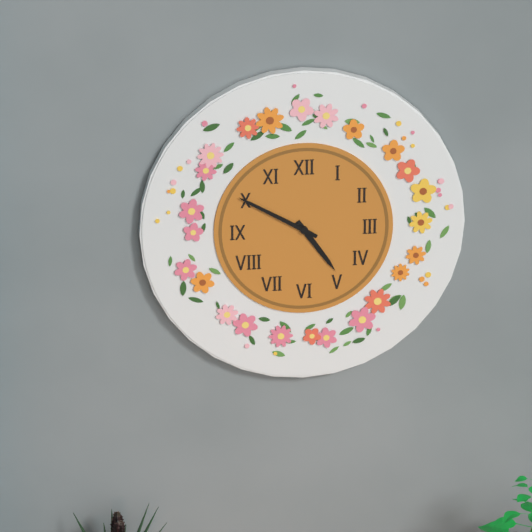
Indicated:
4 h 50 min
